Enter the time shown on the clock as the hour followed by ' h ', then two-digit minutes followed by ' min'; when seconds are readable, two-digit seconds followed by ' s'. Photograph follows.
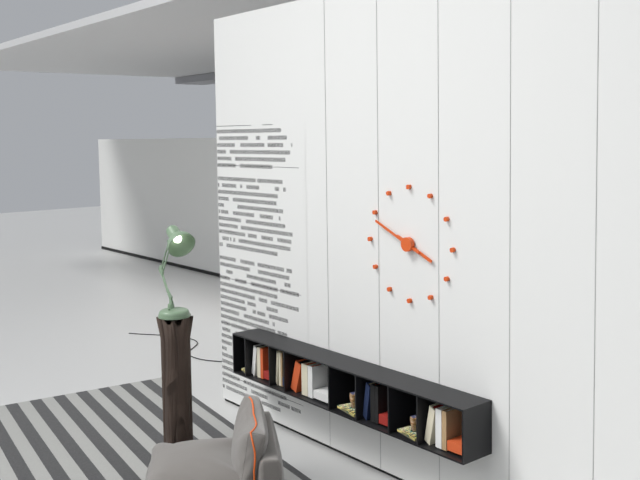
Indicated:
3 h 49 min
